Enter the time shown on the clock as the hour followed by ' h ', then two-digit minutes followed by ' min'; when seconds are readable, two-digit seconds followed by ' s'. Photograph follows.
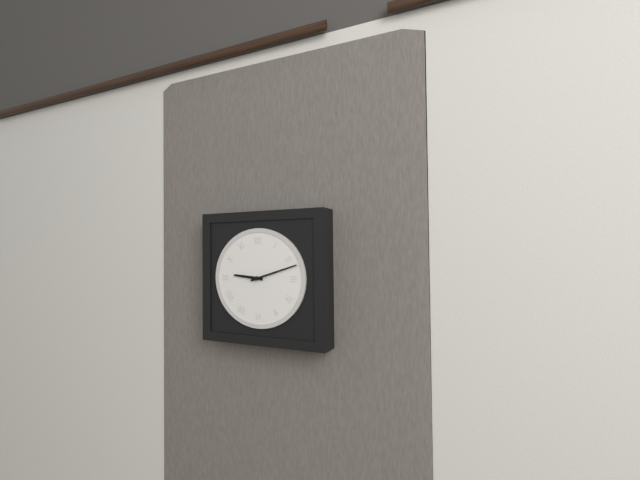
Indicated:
9 h 12 min
